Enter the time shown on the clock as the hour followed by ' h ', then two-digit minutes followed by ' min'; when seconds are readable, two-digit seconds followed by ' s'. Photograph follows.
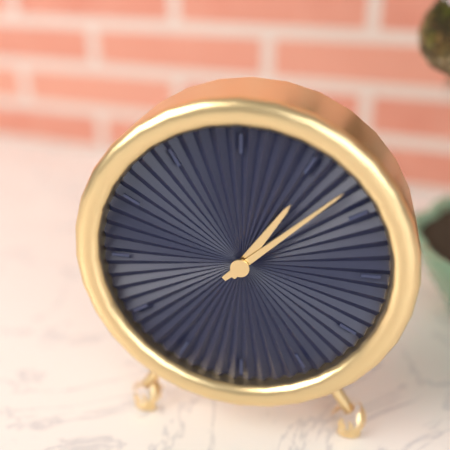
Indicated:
1 h 08 min
